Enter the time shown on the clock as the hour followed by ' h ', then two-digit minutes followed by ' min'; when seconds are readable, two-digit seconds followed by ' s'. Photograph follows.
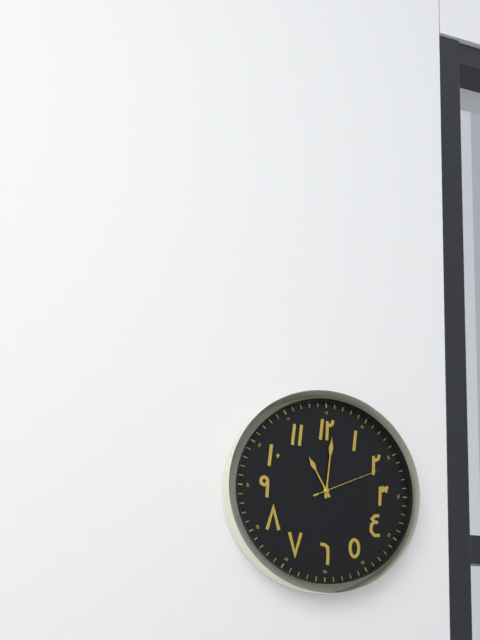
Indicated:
11 h 01 min 11 s
